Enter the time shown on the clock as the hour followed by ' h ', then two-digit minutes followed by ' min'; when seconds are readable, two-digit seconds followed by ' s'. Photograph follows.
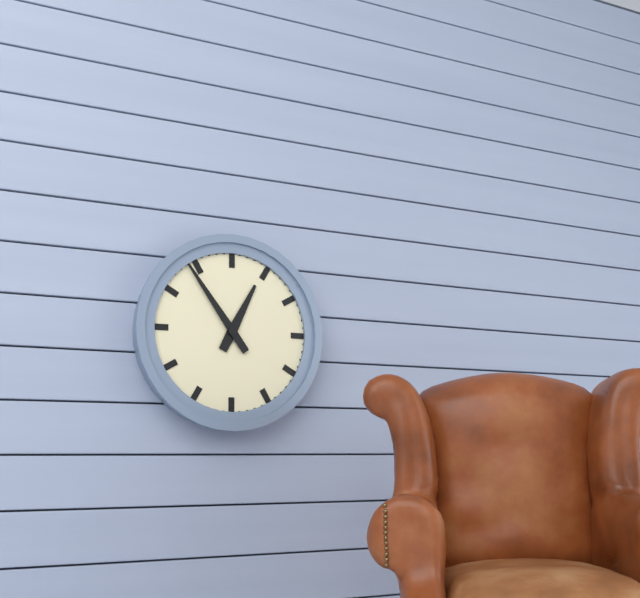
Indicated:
12 h 54 min
